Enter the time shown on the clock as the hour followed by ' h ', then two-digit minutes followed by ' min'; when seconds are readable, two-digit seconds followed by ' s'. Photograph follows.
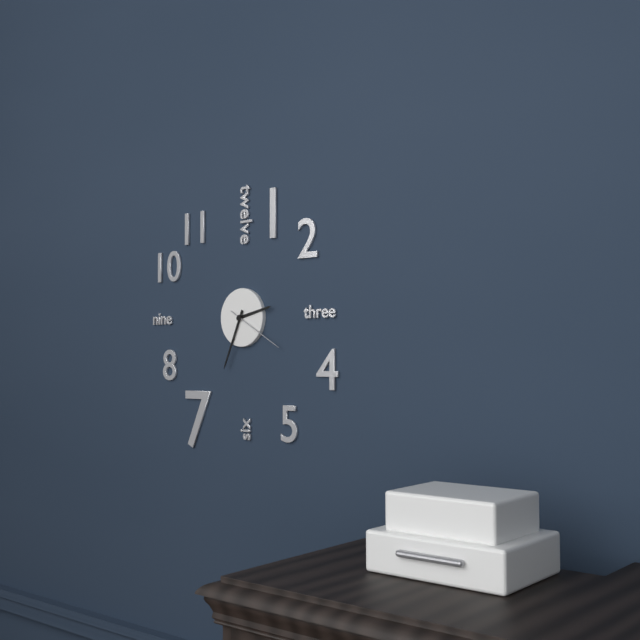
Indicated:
2 h 34 min 20 s
